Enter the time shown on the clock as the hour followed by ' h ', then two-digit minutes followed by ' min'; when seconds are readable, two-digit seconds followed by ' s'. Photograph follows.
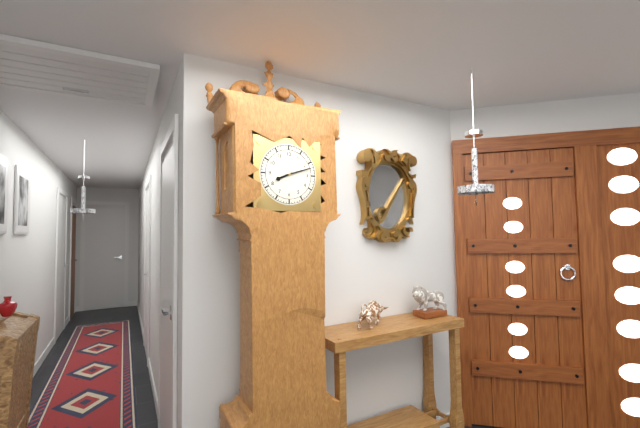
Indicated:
8 h 12 min
